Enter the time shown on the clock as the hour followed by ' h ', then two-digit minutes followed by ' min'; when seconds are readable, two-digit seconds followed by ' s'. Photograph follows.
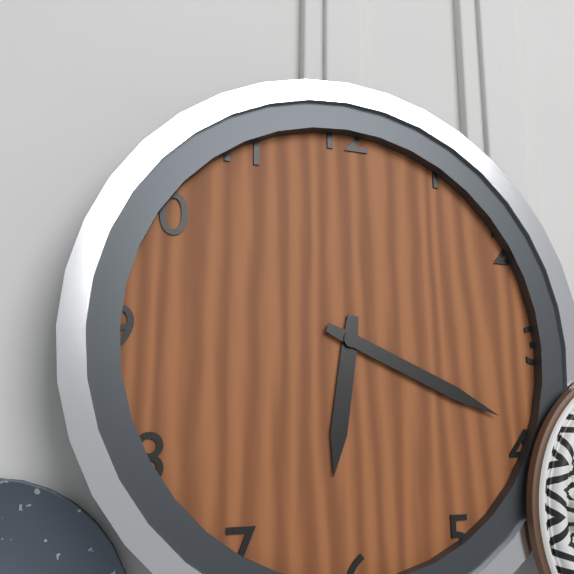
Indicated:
6 h 19 min
